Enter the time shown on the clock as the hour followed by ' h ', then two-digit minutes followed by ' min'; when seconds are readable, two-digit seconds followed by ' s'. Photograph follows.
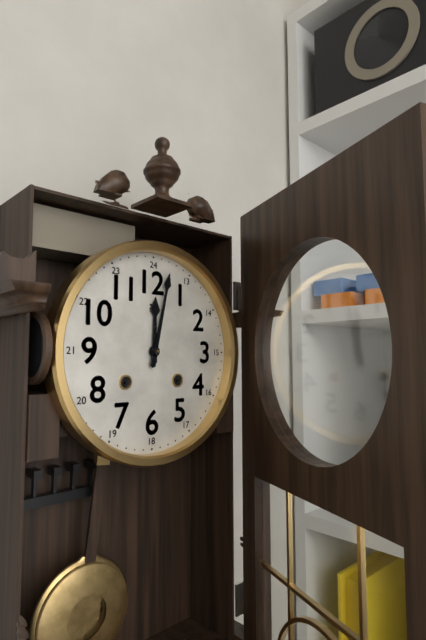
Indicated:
12 h 02 min
